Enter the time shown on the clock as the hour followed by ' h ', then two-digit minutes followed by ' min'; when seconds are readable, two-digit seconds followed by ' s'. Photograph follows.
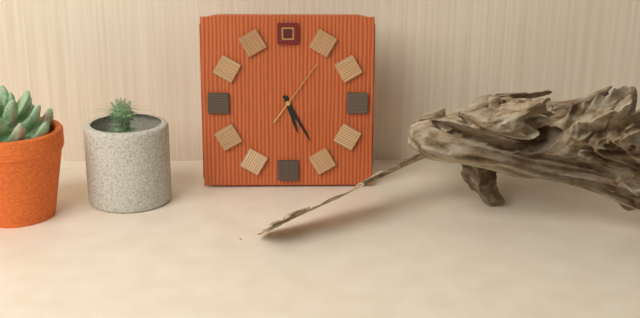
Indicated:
5 h 25 min 06 s
